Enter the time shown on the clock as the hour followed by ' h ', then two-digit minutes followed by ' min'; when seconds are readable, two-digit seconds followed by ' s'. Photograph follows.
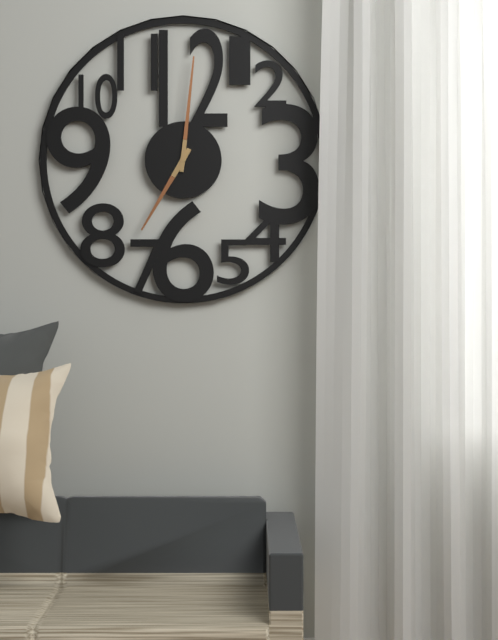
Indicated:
7 h 01 min
